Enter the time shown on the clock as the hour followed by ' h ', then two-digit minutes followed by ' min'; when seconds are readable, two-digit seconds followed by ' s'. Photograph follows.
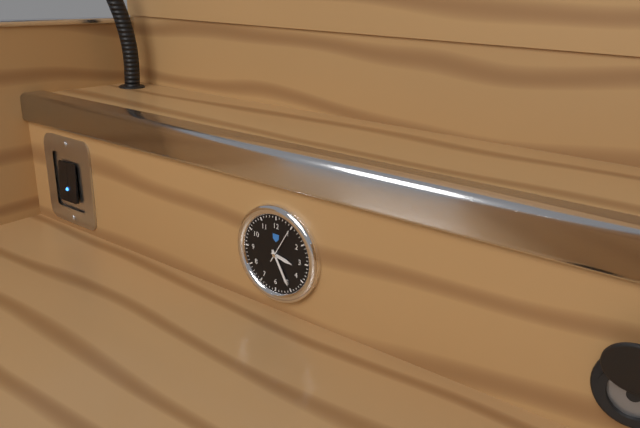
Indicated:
3 h 25 min
